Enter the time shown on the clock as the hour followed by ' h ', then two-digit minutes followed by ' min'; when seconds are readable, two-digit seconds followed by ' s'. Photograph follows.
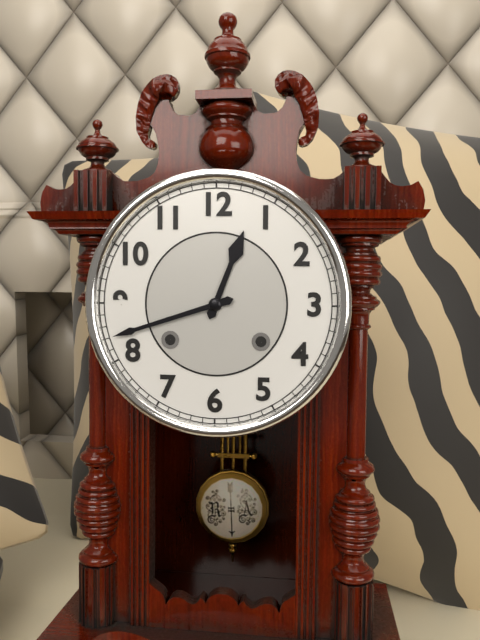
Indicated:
12 h 42 min
